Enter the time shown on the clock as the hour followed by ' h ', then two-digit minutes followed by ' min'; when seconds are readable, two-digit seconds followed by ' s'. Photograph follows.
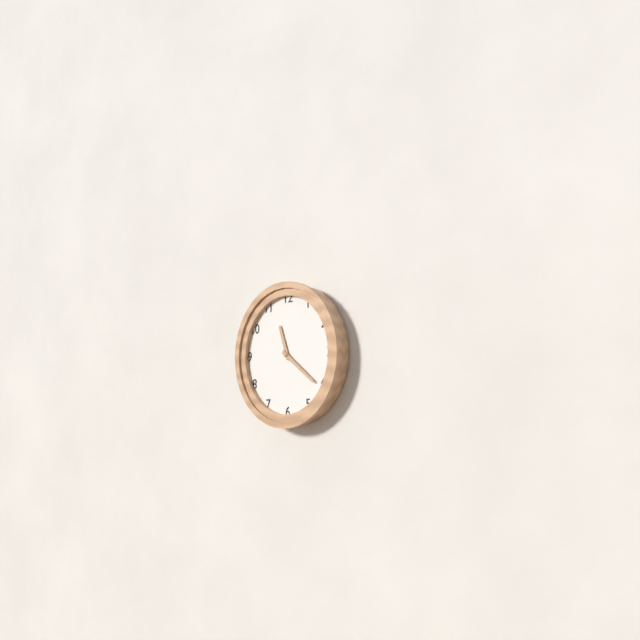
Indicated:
11 h 21 min
